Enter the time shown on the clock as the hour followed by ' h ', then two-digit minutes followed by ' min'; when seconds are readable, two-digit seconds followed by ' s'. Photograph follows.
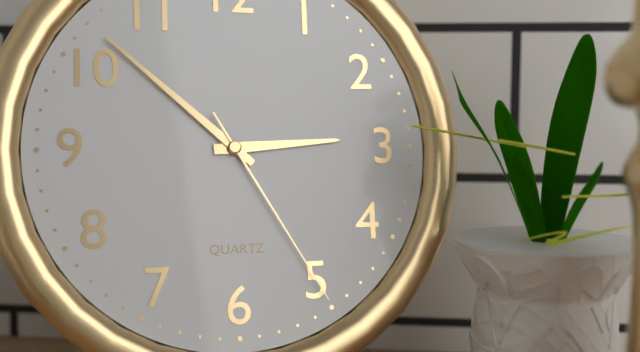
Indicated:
2 h 52 min 25 s
